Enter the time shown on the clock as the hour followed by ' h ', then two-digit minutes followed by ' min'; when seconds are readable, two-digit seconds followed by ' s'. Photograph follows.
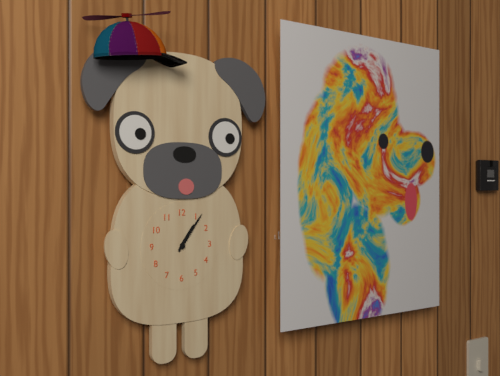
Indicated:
1 h 06 min
